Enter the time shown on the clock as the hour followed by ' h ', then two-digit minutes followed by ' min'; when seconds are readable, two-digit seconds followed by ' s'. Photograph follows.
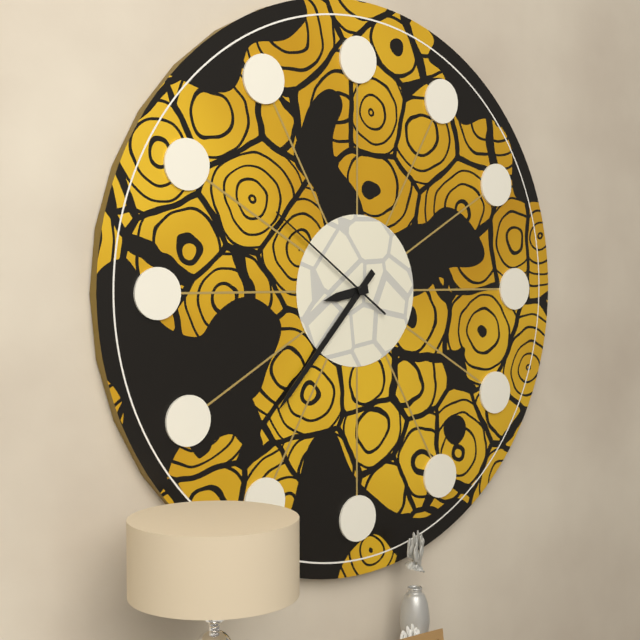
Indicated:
8 h 37 min 51 s
